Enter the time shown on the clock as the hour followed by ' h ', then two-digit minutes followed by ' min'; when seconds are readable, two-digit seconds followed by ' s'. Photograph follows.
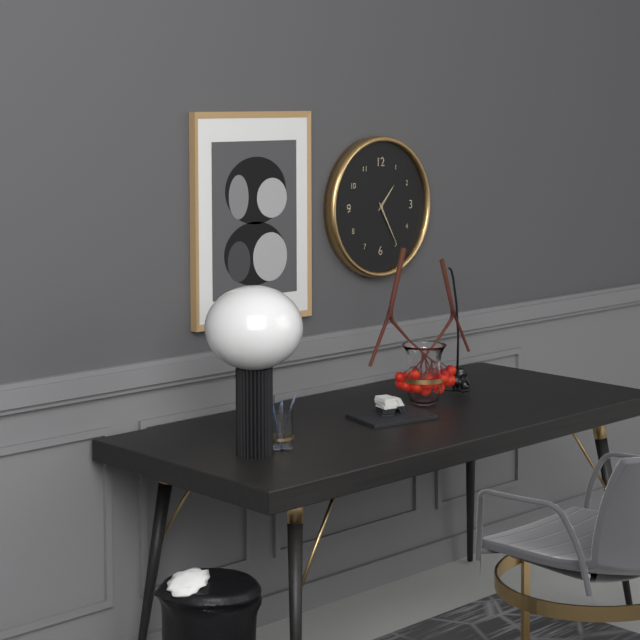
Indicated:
1 h 25 min
